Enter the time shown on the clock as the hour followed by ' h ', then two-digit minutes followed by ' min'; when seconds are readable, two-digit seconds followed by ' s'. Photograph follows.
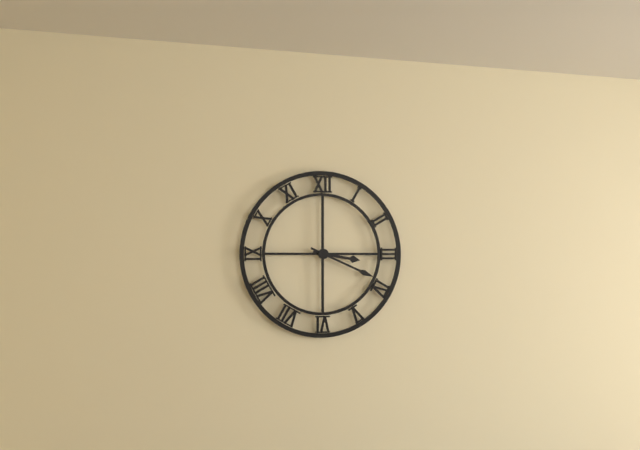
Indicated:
3 h 19 min
